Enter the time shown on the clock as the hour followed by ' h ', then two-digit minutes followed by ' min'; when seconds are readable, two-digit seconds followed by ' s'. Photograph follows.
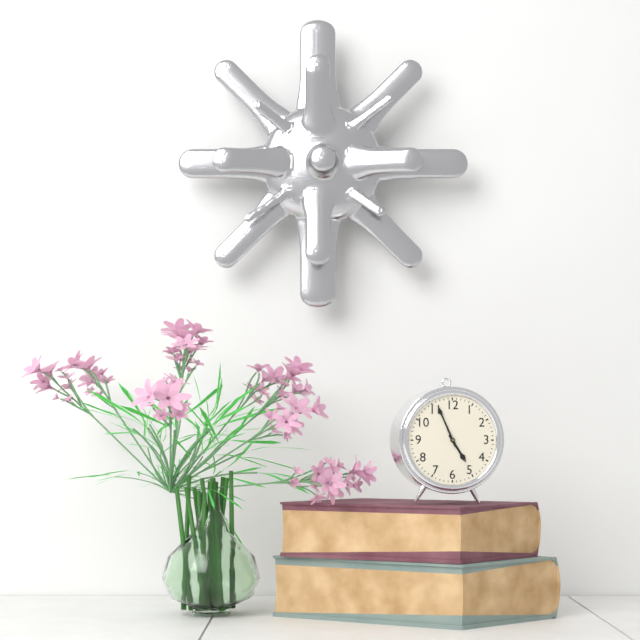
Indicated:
4 h 56 min
